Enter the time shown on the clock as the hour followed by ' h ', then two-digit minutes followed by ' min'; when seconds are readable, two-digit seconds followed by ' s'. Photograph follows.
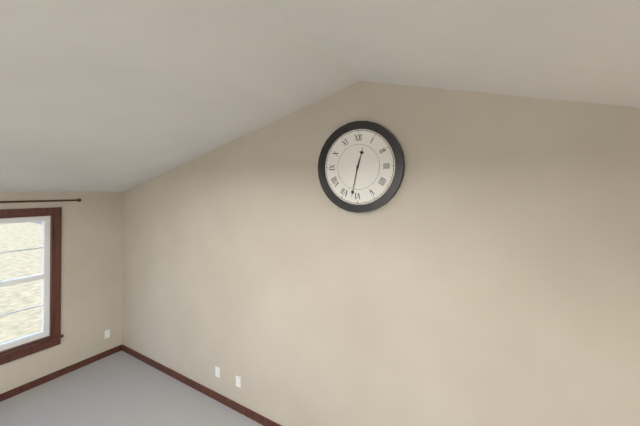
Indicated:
12 h 32 min
